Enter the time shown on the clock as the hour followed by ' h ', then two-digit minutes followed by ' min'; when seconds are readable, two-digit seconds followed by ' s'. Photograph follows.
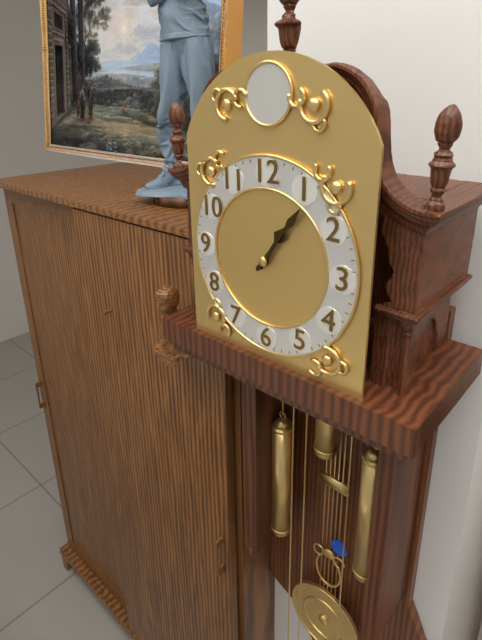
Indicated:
1 h 06 min
